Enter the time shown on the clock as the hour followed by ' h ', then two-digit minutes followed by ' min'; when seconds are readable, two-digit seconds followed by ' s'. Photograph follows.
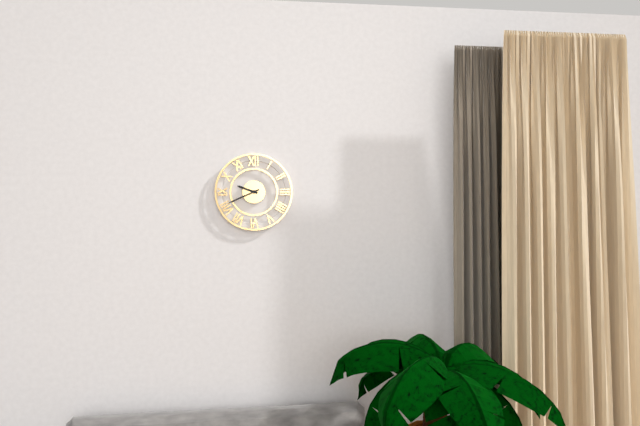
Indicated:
9 h 41 min
